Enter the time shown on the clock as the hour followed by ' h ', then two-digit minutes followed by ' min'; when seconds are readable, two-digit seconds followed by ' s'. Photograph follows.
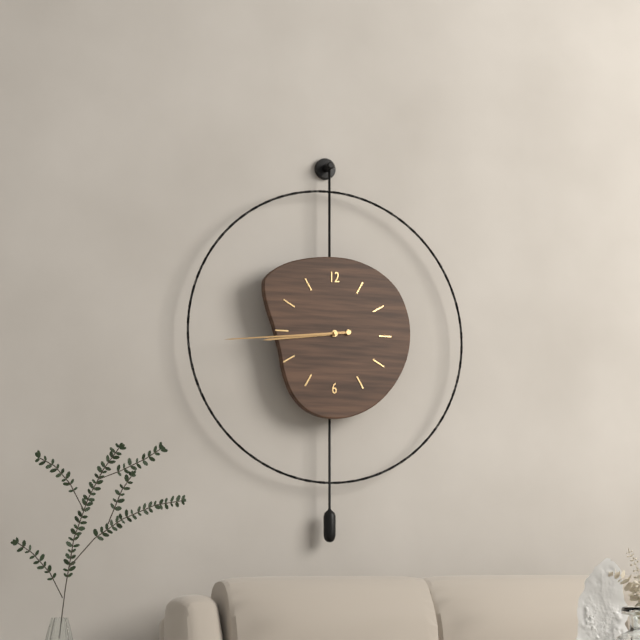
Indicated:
8 h 44 min
